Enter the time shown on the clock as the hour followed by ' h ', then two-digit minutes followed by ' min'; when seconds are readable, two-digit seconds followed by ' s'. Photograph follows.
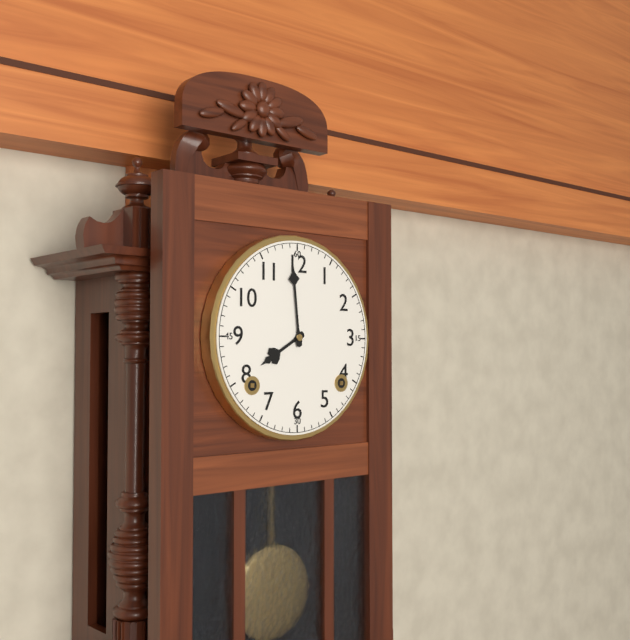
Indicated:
7 h 59 min
